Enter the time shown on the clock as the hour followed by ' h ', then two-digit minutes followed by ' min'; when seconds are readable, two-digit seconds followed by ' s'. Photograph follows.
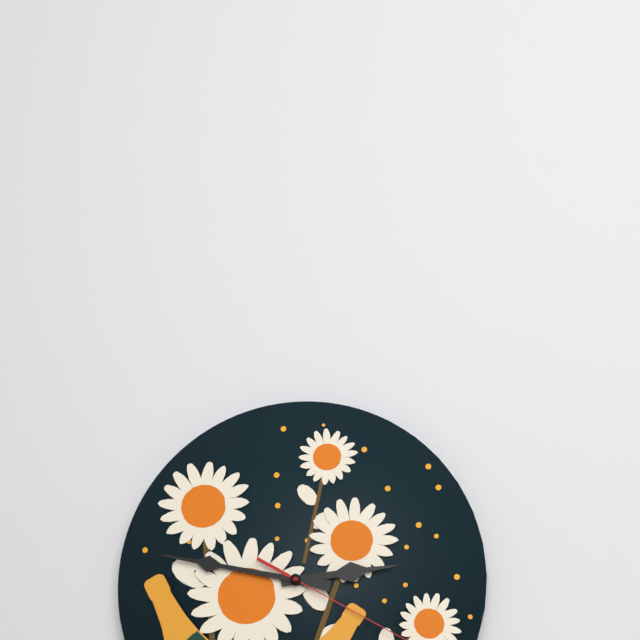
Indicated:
2 h 47 min
